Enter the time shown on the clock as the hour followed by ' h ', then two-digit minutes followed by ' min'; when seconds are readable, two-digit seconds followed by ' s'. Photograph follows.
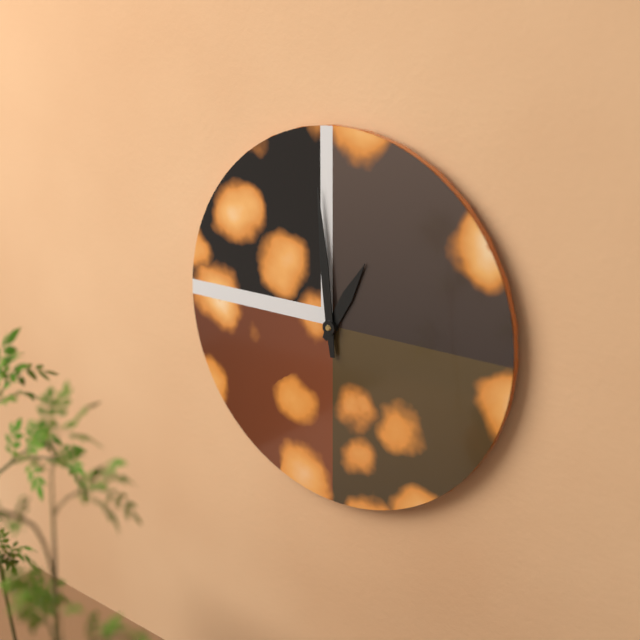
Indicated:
12 h 59 min
